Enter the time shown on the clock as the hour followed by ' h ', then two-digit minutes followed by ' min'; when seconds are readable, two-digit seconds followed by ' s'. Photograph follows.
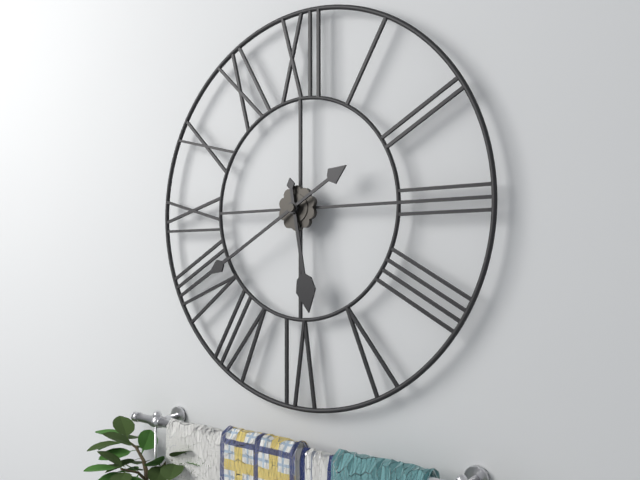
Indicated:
5 h 40 min
